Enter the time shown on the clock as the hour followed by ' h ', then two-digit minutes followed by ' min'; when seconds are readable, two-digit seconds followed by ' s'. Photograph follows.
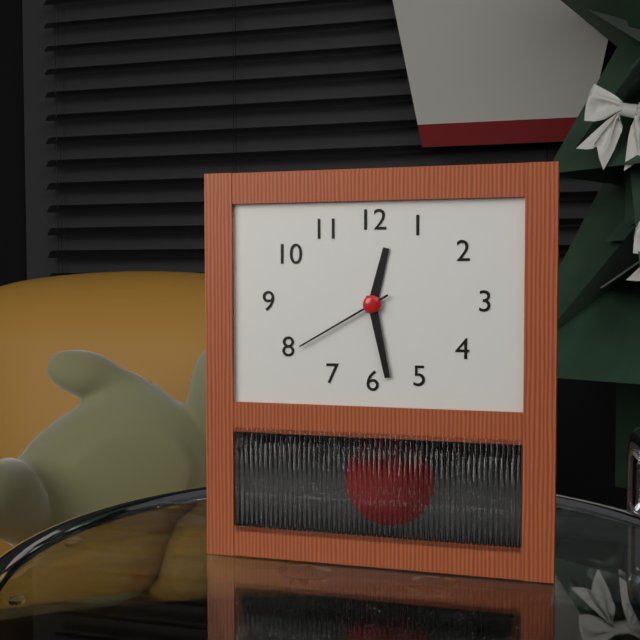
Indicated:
12 h 28 min 40 s
